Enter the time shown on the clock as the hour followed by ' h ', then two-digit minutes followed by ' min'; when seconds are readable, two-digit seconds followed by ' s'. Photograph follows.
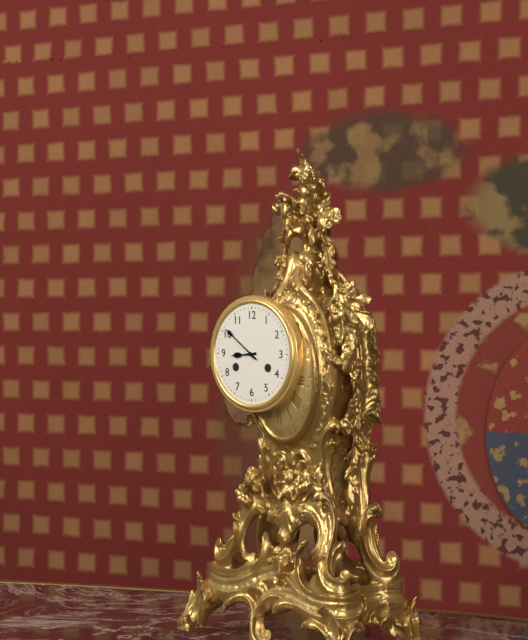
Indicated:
8 h 51 min
